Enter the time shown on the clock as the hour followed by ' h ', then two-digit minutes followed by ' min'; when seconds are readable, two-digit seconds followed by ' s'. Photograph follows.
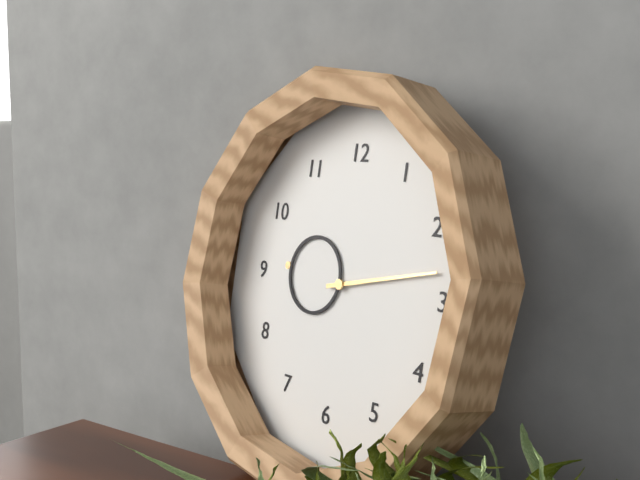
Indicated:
9 h 13 min
